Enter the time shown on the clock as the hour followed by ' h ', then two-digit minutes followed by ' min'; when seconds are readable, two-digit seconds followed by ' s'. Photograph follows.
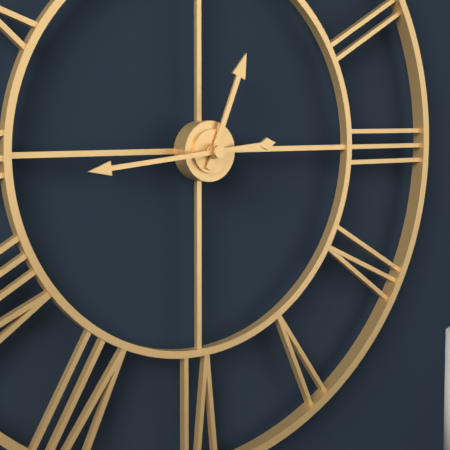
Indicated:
12 h 44 min
